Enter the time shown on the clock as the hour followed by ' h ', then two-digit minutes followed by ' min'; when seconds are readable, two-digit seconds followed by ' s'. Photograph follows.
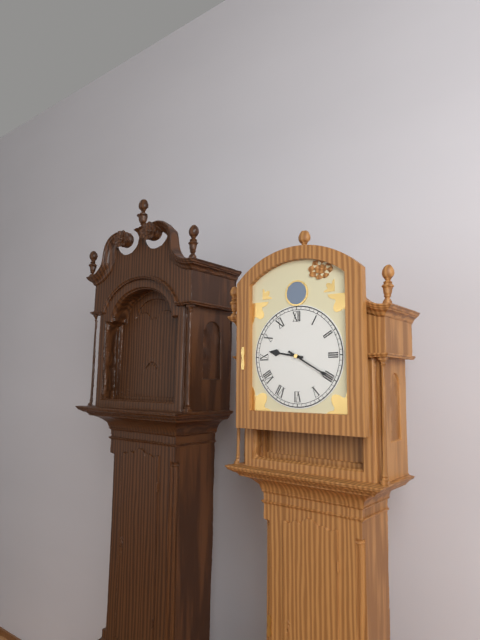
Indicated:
9 h 20 min
